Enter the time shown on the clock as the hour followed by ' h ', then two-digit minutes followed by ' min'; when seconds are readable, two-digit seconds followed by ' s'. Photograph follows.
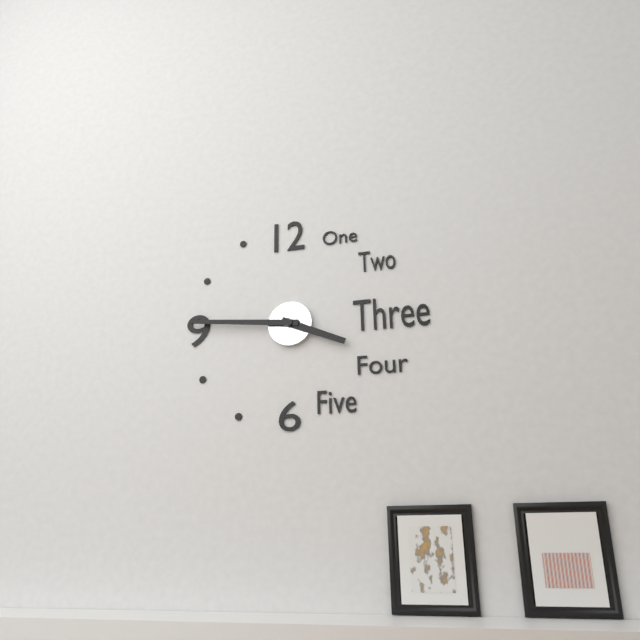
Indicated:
3 h 46 min
